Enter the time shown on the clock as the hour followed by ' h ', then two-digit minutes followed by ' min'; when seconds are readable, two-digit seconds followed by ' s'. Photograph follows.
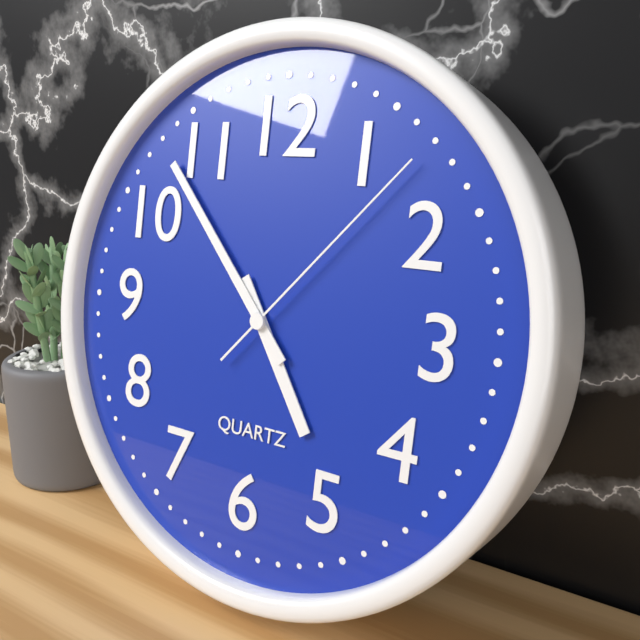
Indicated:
4 h 53 min 07 s
